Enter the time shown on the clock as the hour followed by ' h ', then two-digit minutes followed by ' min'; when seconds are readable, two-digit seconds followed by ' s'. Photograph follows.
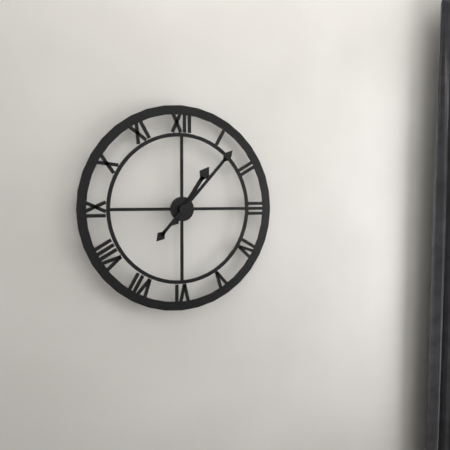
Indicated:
1 h 07 min
